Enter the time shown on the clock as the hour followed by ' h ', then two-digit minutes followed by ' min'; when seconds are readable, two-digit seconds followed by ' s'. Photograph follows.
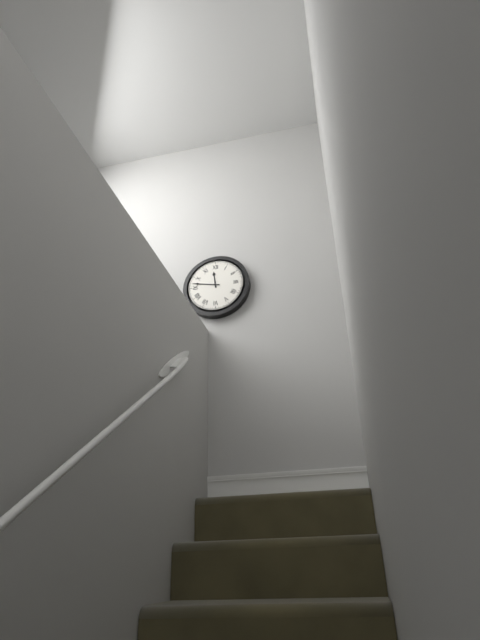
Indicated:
11 h 47 min
